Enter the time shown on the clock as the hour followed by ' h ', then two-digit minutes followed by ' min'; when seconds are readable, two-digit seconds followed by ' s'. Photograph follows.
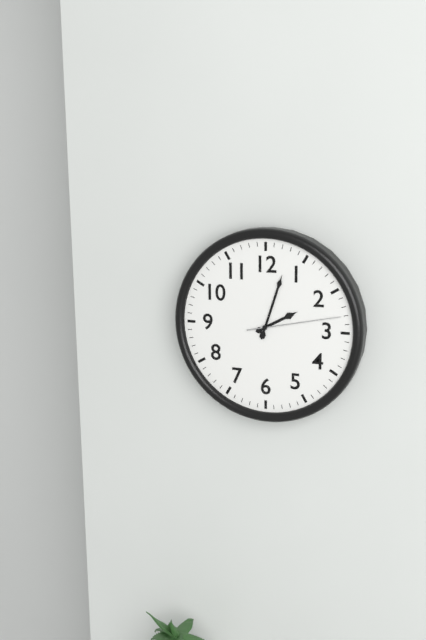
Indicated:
2 h 03 min 13 s
